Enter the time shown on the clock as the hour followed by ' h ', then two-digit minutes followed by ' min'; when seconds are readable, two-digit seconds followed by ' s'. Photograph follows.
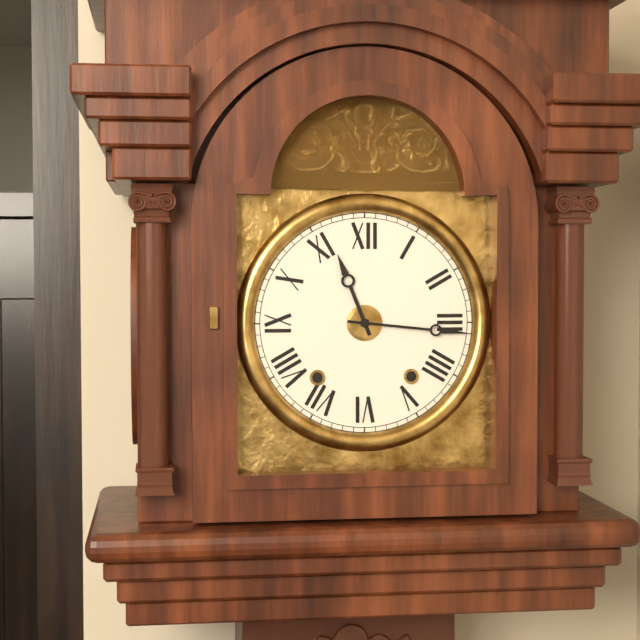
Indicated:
11 h 16 min
